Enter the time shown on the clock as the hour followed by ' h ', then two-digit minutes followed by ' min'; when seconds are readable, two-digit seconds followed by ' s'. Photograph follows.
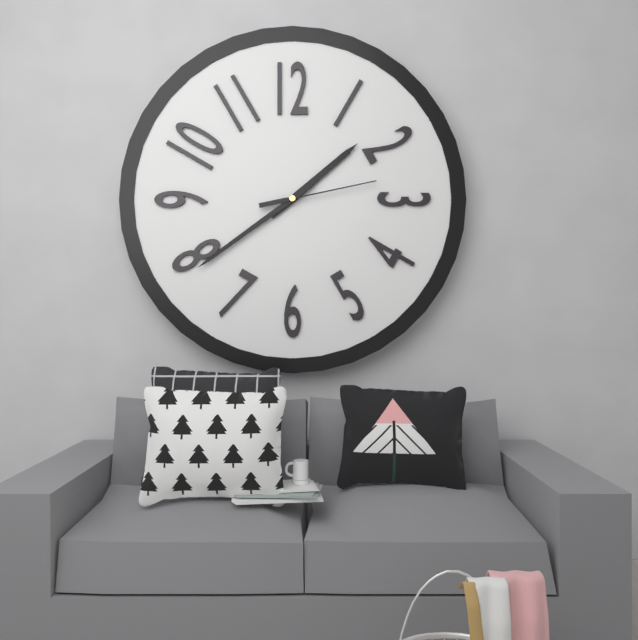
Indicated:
1 h 39 min 13 s
